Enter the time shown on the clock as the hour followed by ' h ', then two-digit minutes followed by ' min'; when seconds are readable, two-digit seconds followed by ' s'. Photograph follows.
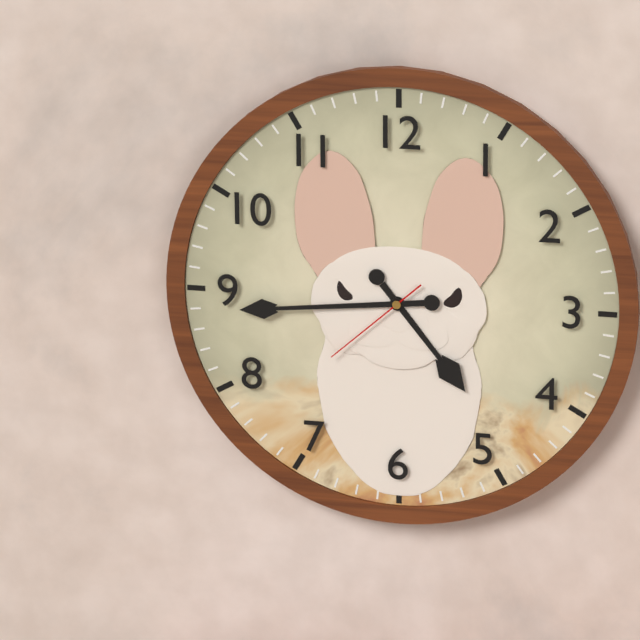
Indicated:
4 h 44 min 38 s
